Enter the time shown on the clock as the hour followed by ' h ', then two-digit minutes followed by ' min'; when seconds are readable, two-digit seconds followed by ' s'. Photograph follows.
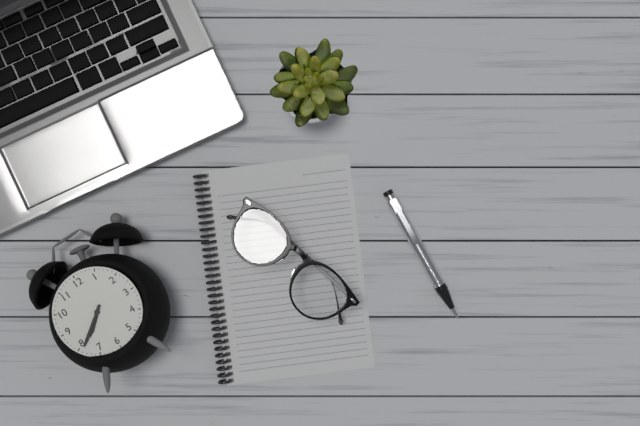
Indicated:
7 h 39 min
